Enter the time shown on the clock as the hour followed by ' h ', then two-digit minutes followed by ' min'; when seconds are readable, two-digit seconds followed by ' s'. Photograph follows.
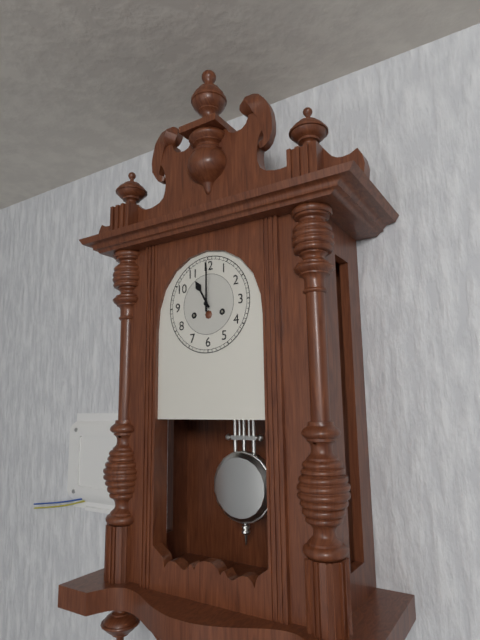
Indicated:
11 h 00 min
